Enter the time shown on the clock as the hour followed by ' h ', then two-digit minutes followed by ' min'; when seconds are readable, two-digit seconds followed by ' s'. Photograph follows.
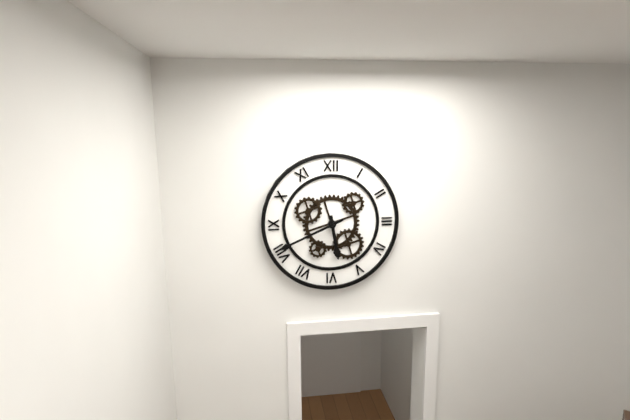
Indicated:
5 h 41 min
